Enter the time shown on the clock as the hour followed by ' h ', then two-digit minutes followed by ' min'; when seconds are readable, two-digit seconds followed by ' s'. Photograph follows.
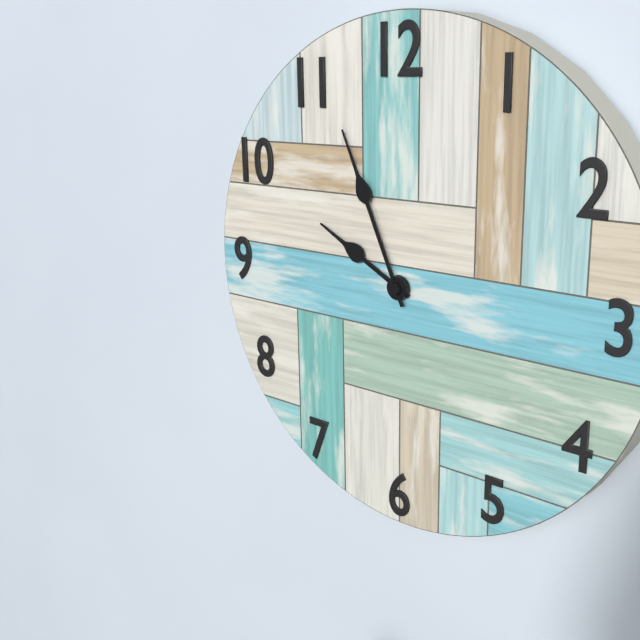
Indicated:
9 h 56 min
